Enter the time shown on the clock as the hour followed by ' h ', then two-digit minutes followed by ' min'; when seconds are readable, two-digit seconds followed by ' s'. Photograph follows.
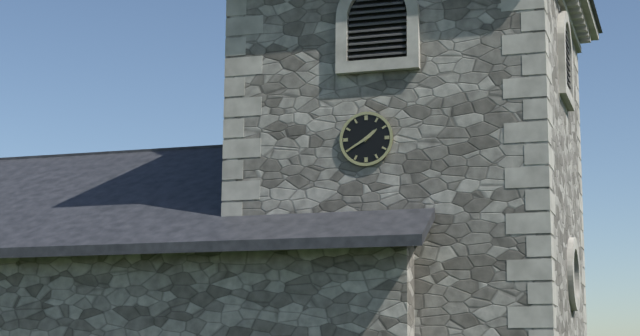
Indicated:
1 h 40 min
